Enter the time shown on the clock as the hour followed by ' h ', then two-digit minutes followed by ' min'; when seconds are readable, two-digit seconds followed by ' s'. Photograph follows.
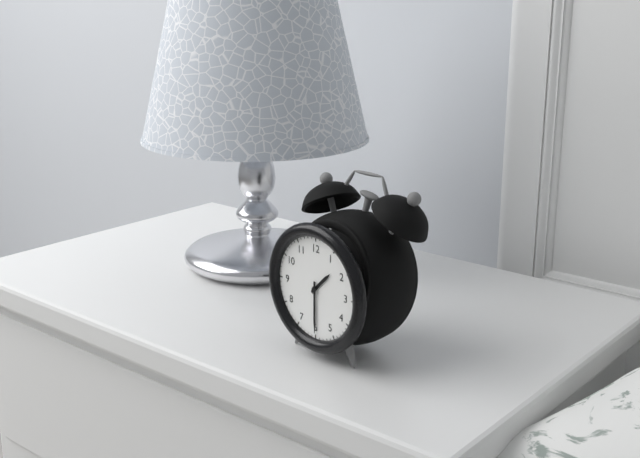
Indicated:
1 h 30 min
